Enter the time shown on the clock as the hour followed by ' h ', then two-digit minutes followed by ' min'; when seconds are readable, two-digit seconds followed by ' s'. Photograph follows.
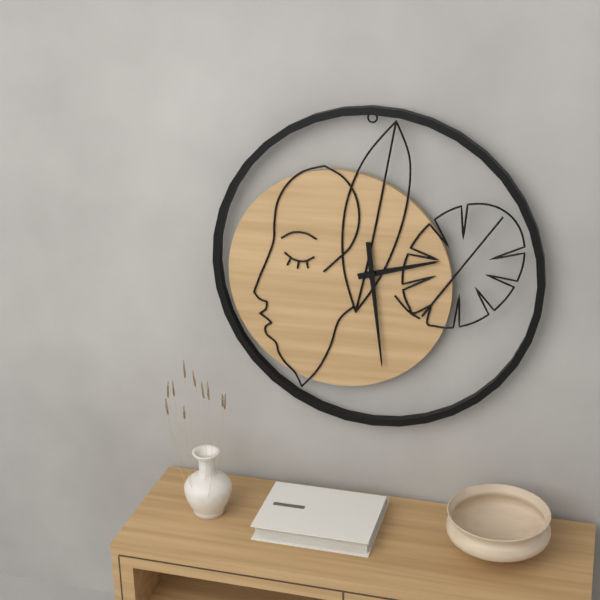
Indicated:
2 h 29 min
